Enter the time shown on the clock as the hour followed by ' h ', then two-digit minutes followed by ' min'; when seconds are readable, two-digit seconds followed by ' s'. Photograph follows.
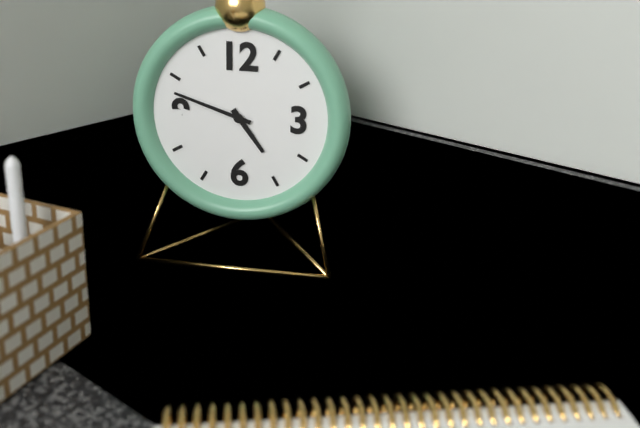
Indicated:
4 h 48 min
